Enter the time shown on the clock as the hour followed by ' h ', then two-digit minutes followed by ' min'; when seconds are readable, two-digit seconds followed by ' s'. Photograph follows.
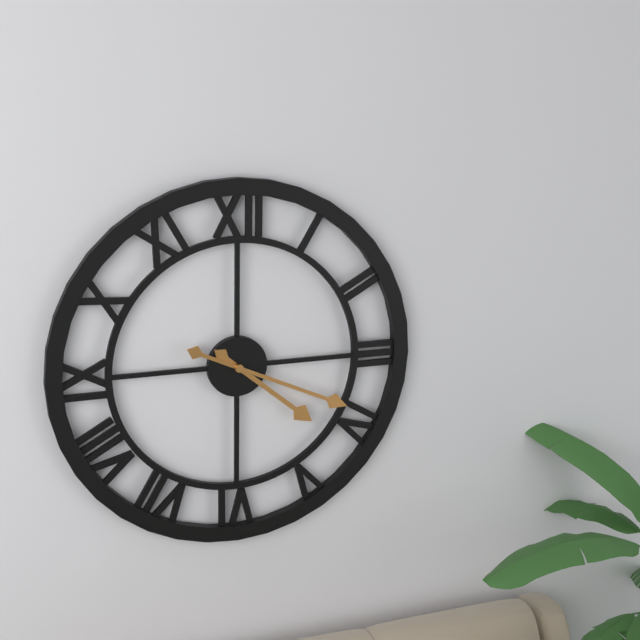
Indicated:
4 h 19 min
